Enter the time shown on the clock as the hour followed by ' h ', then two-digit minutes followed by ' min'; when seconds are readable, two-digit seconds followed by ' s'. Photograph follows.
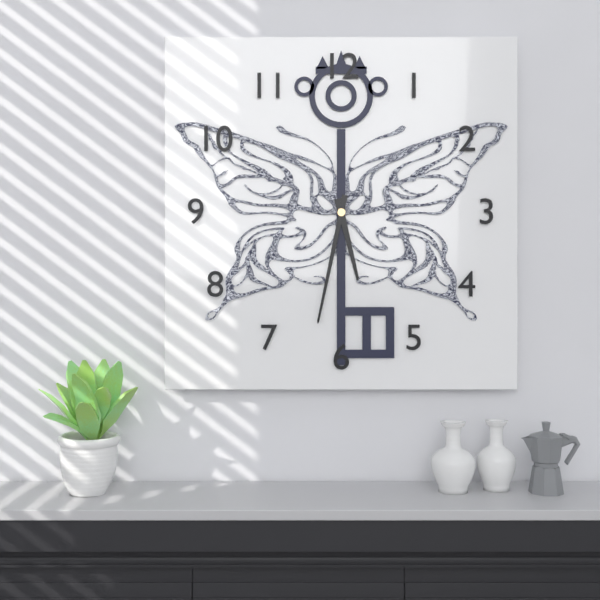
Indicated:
5 h 32 min
